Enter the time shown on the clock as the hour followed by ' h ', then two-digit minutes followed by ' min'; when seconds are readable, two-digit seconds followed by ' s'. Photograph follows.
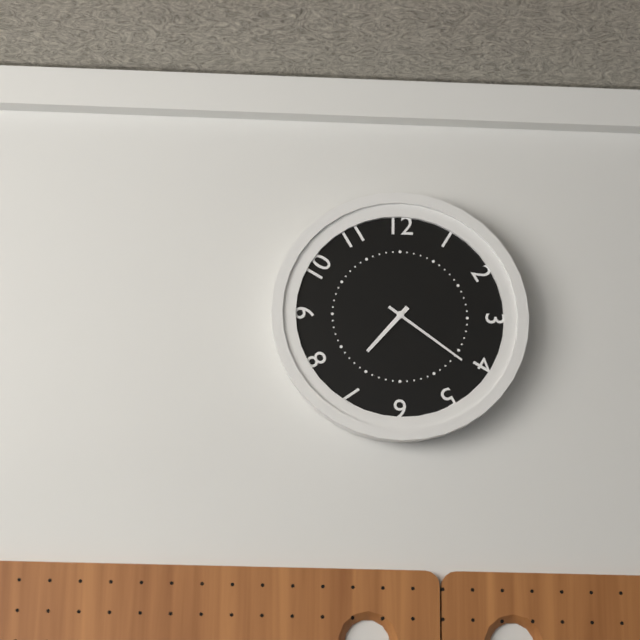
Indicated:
7 h 21 min
